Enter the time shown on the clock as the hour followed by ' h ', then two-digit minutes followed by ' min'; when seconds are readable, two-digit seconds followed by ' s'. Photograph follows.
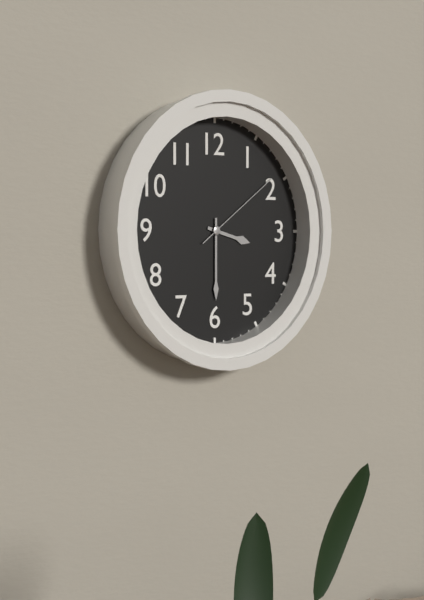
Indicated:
3 h 30 min 09 s
